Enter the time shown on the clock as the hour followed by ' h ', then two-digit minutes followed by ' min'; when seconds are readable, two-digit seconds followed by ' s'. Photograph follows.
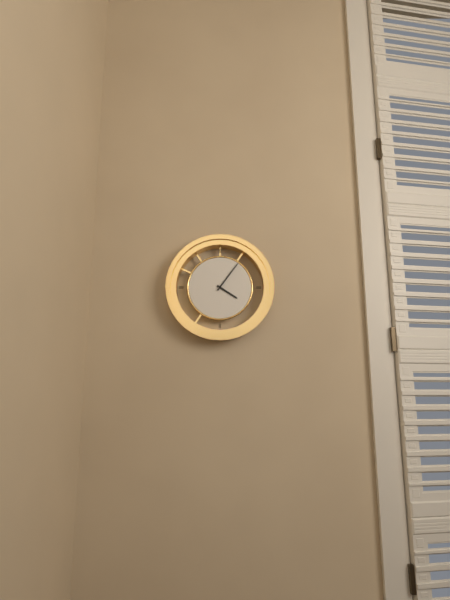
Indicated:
4 h 06 min
